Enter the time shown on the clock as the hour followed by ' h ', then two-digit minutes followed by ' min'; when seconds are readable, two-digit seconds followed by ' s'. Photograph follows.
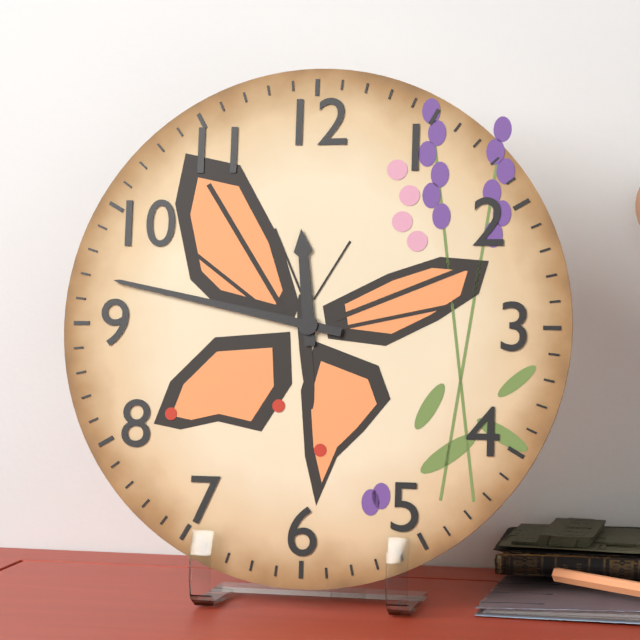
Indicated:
11 h 47 min
